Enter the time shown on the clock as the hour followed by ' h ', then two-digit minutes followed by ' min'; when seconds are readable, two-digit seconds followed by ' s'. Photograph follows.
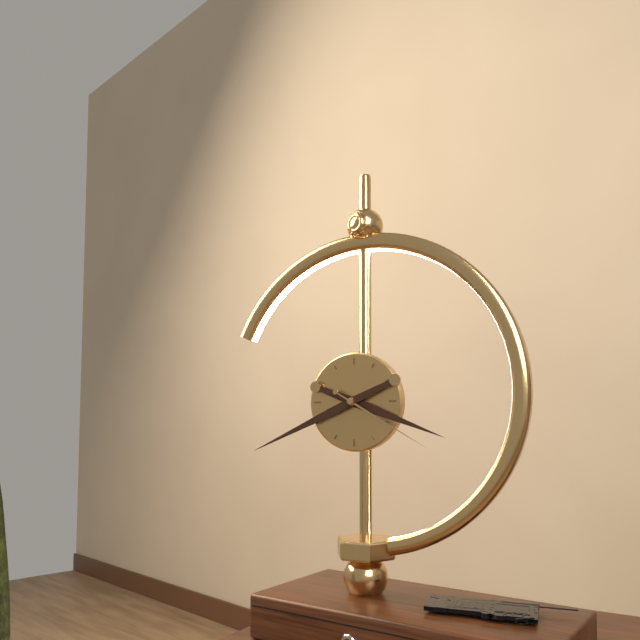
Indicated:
3 h 41 min 20 s
